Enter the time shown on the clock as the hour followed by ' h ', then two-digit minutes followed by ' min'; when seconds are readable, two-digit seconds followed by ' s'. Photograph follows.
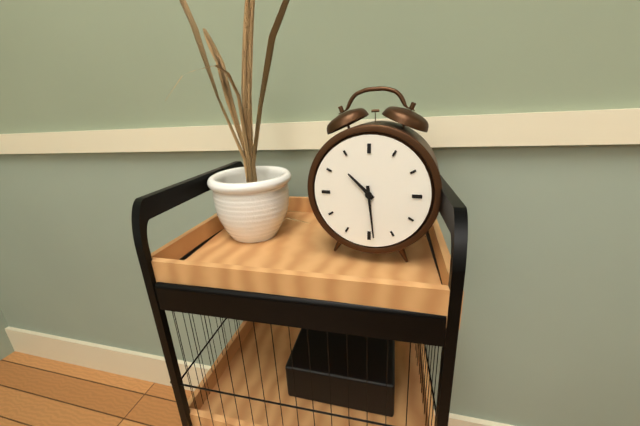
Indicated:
10 h 29 min
